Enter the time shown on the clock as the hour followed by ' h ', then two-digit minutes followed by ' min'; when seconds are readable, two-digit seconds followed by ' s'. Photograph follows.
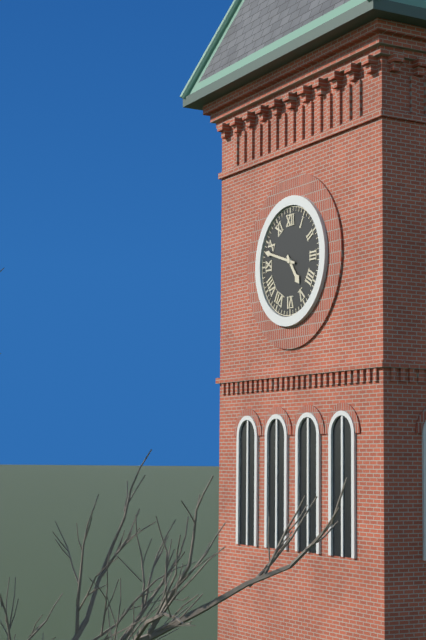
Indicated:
4 h 48 min
